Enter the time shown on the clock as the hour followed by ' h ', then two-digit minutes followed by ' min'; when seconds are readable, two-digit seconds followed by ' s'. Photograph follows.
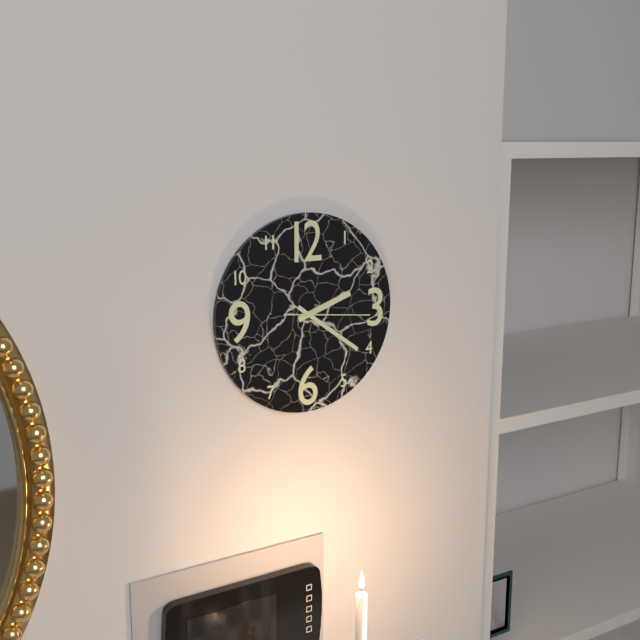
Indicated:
2 h 21 min 16 s
